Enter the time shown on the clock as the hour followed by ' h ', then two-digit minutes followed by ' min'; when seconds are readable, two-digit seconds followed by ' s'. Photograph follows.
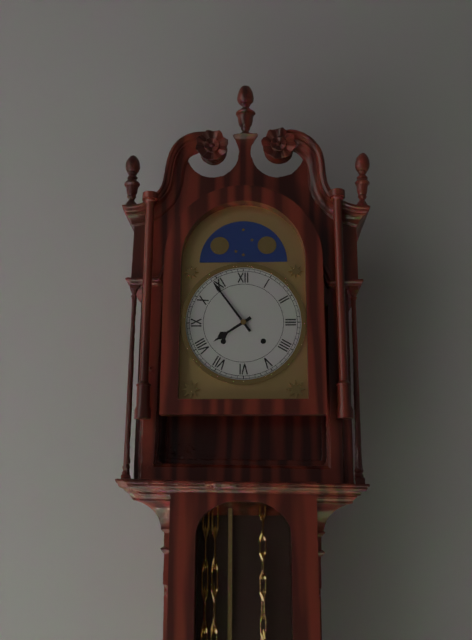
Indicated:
7 h 54 min
